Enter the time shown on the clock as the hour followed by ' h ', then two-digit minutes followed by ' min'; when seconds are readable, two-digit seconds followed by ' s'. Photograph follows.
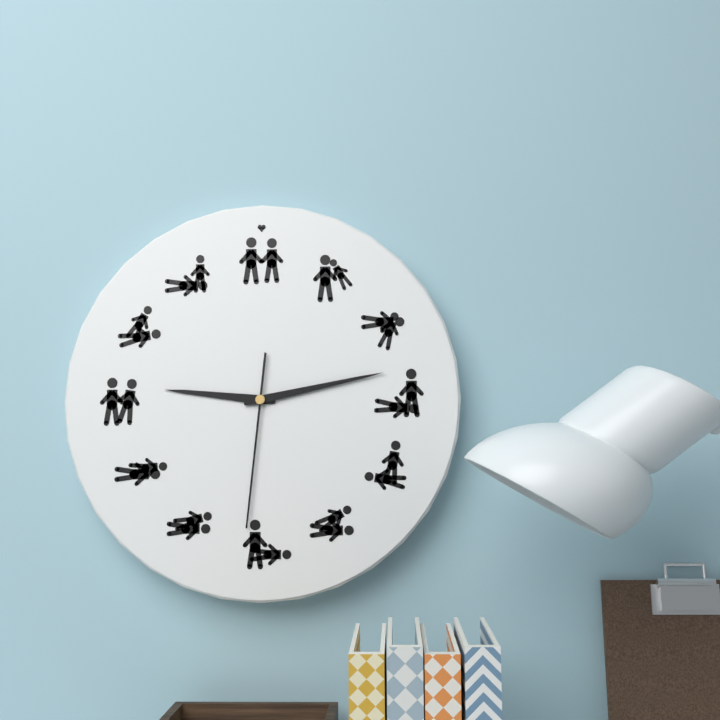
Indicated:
9 h 13 min 31 s
